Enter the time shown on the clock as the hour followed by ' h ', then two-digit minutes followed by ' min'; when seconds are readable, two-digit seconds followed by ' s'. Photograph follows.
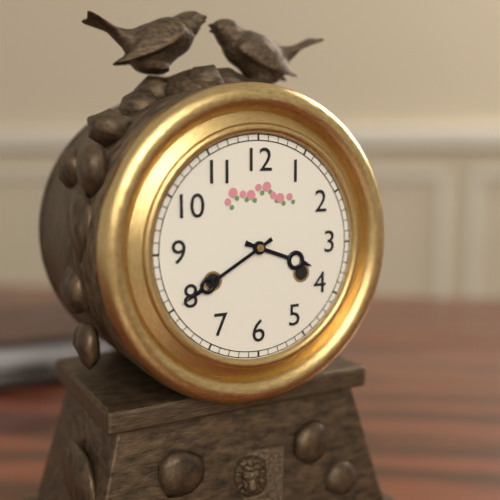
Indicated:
3 h 40 min
